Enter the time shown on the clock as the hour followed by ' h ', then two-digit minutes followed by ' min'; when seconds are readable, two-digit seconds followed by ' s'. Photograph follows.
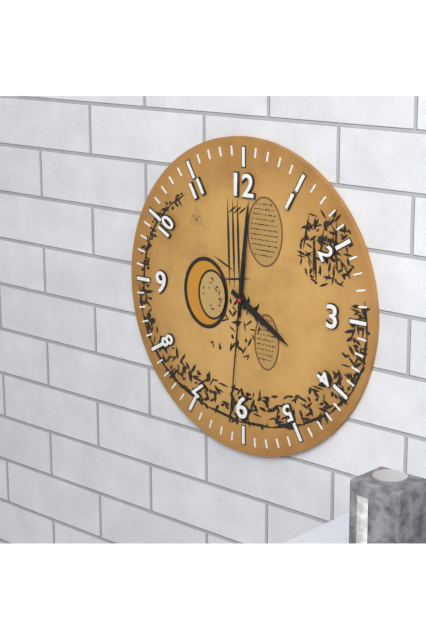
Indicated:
4 h 01 min 31 s
